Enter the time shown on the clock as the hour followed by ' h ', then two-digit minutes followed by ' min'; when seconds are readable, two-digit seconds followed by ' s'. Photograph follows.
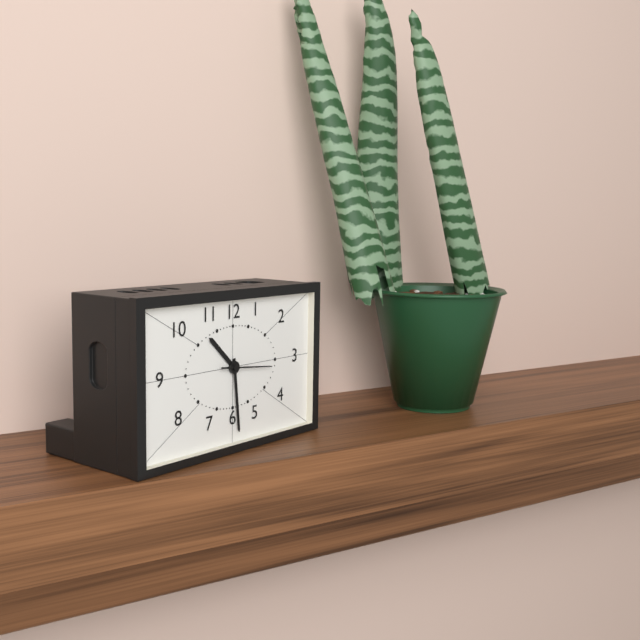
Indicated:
10 h 29 min
